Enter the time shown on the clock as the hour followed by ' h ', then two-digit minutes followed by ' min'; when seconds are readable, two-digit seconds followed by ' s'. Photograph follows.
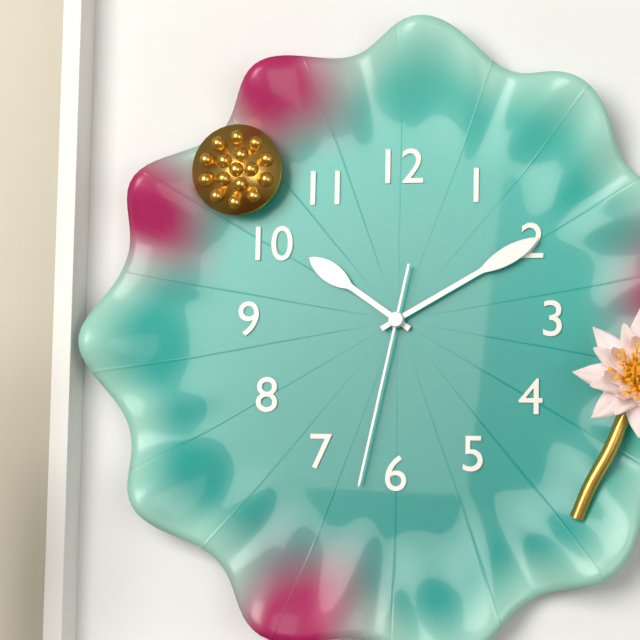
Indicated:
10 h 10 min 32 s
